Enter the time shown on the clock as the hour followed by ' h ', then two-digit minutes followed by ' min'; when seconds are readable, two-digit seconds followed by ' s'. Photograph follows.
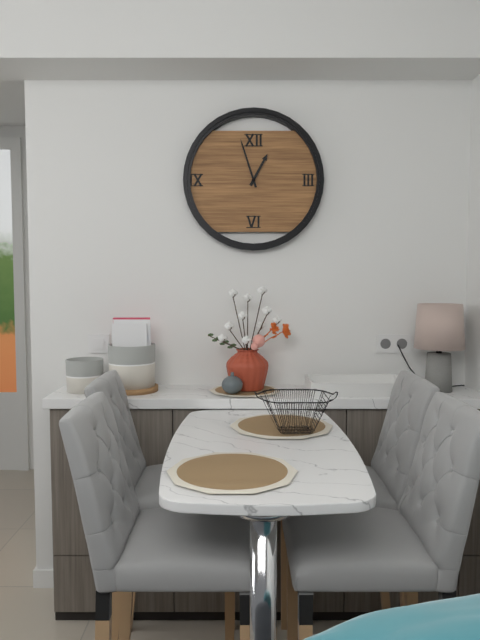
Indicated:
12 h 57 min
